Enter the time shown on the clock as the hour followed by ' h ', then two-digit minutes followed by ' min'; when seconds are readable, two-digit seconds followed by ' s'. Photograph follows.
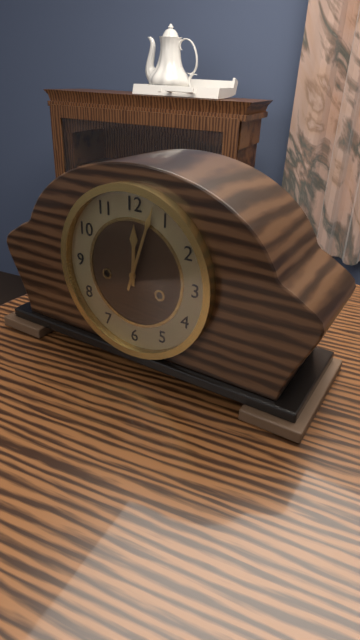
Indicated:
12 h 03 min
